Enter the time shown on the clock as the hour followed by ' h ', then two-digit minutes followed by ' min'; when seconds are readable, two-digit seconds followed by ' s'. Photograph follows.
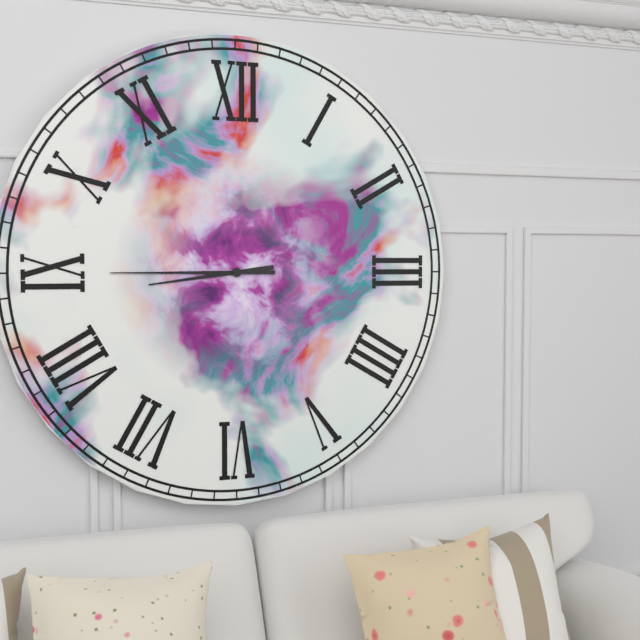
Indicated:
8 h 45 min
